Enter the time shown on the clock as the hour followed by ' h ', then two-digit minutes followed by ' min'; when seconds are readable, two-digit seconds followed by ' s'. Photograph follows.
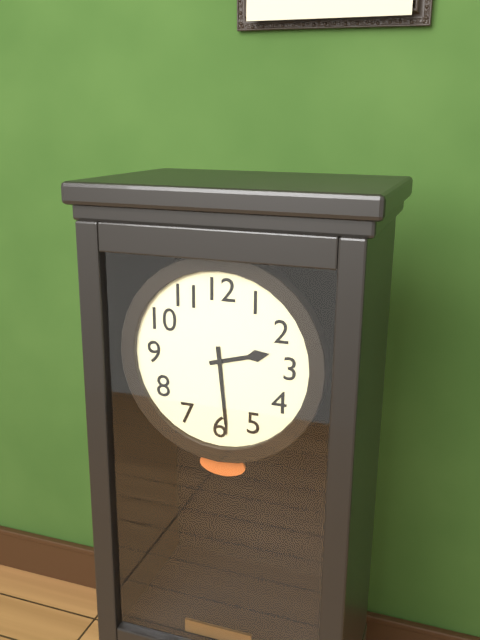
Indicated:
2 h 29 min
